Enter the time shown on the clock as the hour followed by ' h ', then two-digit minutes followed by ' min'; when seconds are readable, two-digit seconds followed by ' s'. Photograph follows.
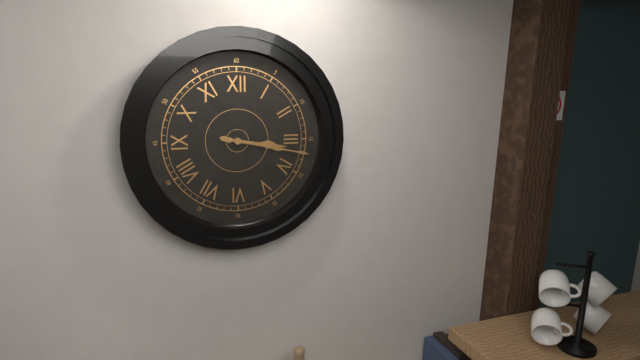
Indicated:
3 h 17 min
